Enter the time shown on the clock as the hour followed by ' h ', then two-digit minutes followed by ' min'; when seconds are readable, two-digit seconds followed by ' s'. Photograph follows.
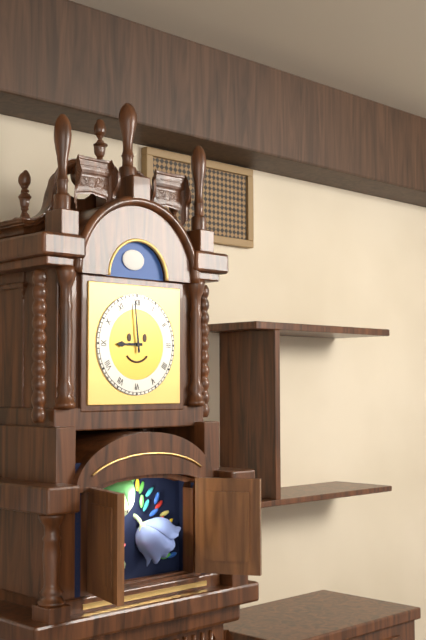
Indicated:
8 h 59 min
